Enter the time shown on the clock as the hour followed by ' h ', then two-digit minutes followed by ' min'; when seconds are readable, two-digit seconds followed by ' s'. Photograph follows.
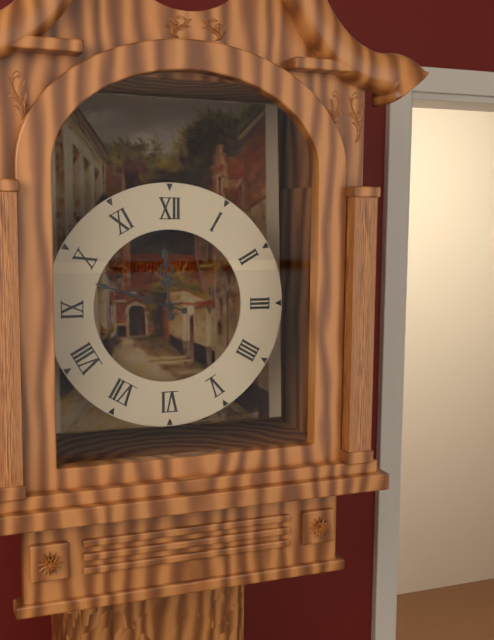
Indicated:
11 h 48 min
